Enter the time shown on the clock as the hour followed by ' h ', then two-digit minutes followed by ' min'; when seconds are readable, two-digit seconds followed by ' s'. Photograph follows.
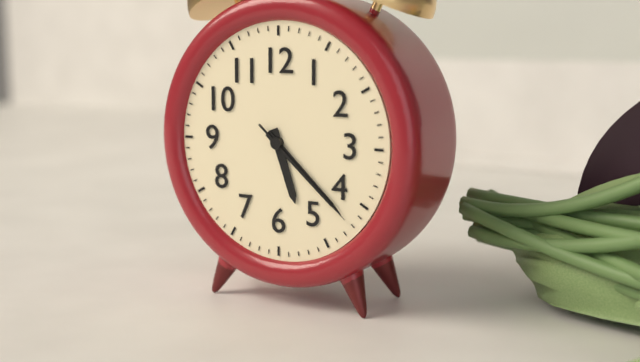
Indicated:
5 h 22 min 22 s
